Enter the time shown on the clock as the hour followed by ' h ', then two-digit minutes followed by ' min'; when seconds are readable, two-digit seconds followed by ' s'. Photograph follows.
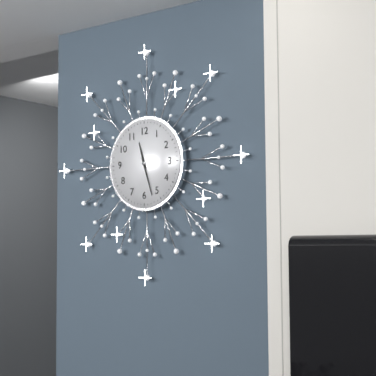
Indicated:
11 h 27 min
